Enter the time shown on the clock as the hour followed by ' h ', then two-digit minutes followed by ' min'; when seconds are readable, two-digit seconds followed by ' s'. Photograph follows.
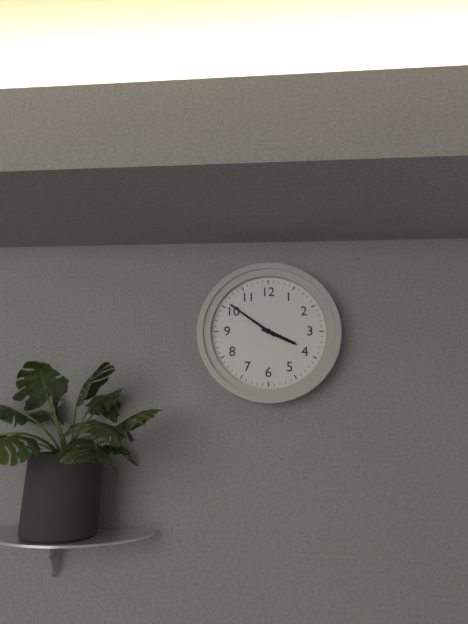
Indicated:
3 h 51 min
